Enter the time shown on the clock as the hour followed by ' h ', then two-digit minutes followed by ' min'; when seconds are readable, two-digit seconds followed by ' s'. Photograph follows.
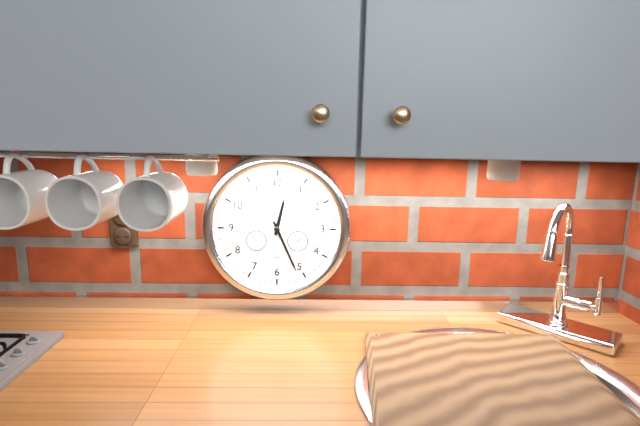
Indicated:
12 h 26 min
